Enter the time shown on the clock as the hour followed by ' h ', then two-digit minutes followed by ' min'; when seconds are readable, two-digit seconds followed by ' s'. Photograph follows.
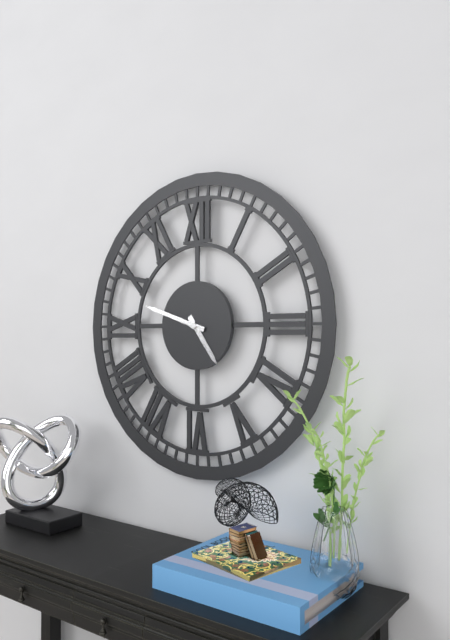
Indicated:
4 h 48 min
